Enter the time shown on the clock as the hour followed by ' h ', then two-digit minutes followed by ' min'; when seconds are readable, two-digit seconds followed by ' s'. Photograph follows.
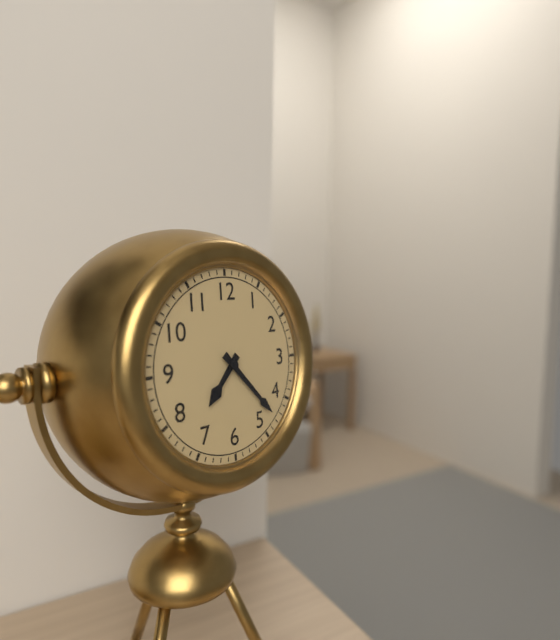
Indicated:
7 h 23 min
